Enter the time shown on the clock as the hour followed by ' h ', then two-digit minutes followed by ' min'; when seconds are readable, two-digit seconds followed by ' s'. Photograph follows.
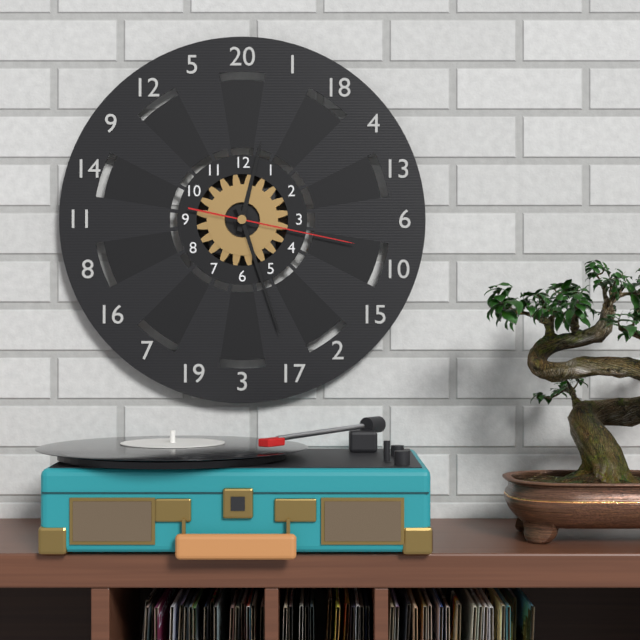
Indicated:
12 h 27 min 17 s
